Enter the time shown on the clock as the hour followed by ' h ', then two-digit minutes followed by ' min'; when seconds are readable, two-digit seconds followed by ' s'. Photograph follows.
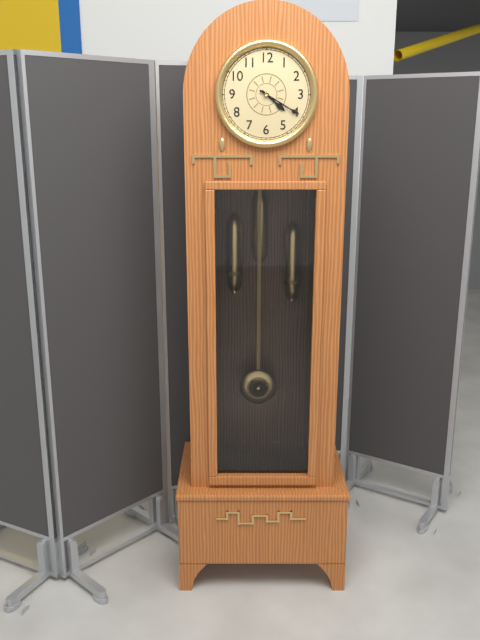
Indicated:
4 h 20 min
